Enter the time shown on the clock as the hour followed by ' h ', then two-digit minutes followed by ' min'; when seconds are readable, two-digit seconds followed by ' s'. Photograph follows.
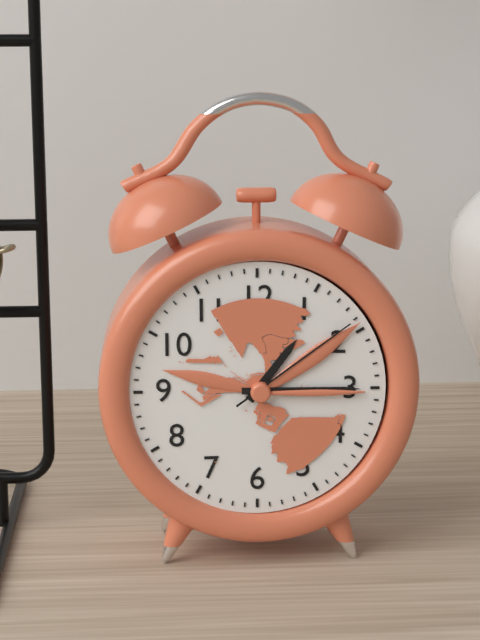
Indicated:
1 h 15 min 09 s
